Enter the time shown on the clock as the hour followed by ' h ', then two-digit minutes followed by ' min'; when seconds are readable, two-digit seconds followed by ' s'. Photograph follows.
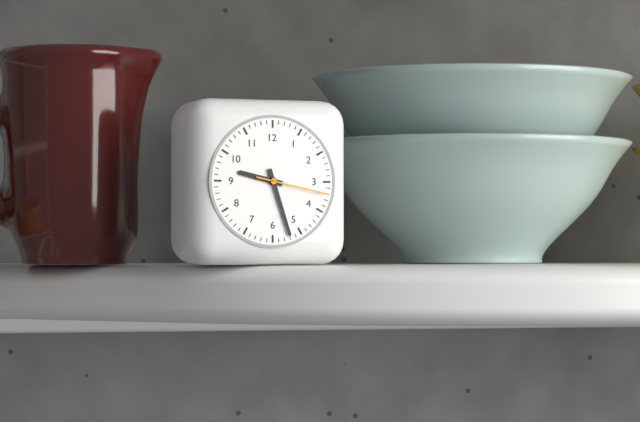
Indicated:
9 h 27 min 17 s
